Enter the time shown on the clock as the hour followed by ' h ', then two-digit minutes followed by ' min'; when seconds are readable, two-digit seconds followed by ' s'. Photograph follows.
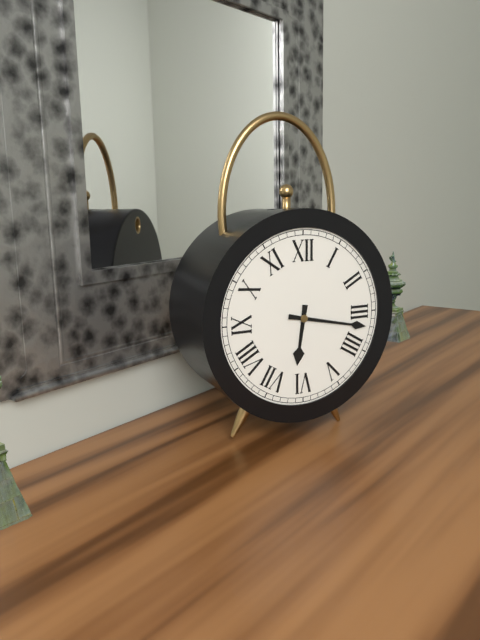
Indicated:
6 h 17 min
